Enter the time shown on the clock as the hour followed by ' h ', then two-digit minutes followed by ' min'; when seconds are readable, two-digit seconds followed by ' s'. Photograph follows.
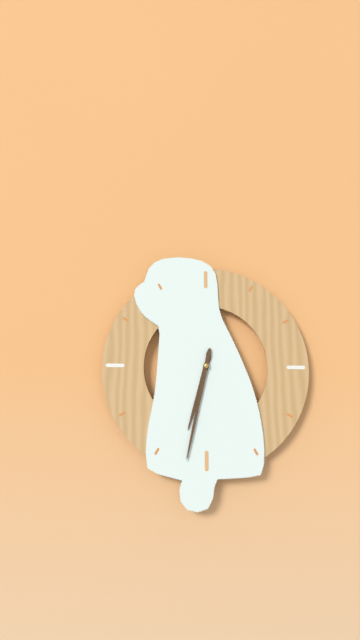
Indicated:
6 h 32 min
